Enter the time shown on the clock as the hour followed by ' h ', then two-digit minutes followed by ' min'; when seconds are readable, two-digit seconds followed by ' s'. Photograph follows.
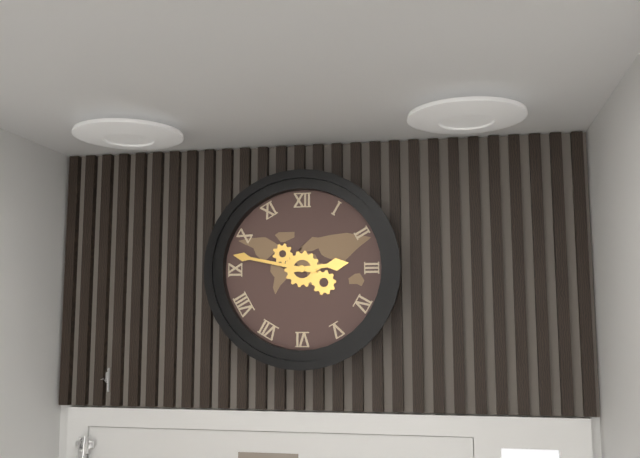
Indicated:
2 h 47 min
